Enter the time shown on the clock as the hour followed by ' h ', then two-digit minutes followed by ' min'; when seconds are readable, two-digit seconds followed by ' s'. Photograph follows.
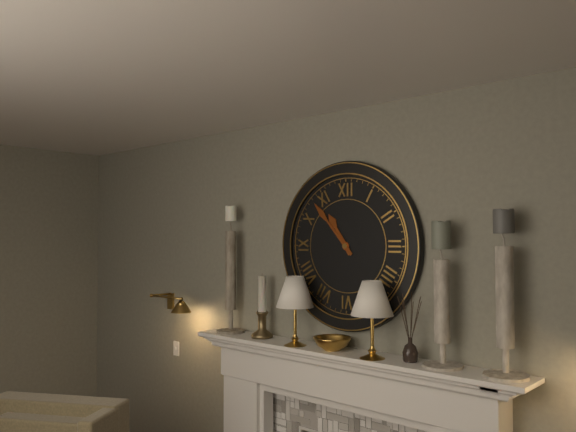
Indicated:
10 h 53 min
